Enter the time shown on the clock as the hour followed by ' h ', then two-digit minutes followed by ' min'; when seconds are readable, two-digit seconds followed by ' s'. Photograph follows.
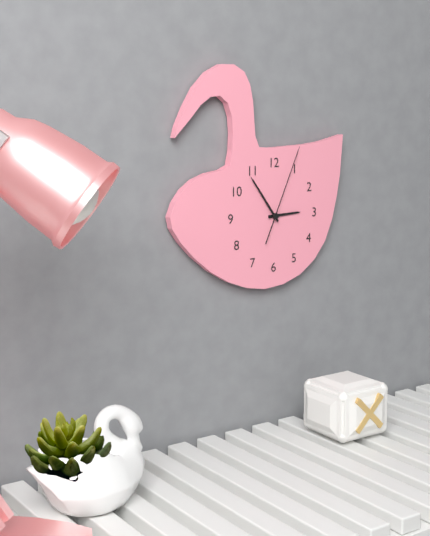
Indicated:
2 h 54 min 04 s
